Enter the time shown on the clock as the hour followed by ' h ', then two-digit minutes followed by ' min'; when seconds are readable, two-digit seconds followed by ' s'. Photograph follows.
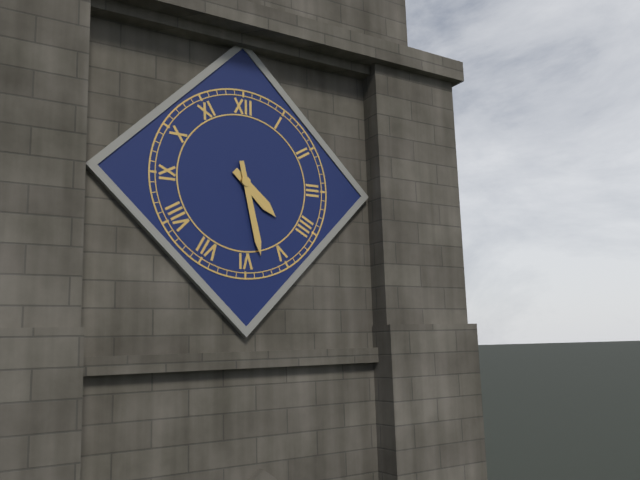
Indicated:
4 h 28 min
